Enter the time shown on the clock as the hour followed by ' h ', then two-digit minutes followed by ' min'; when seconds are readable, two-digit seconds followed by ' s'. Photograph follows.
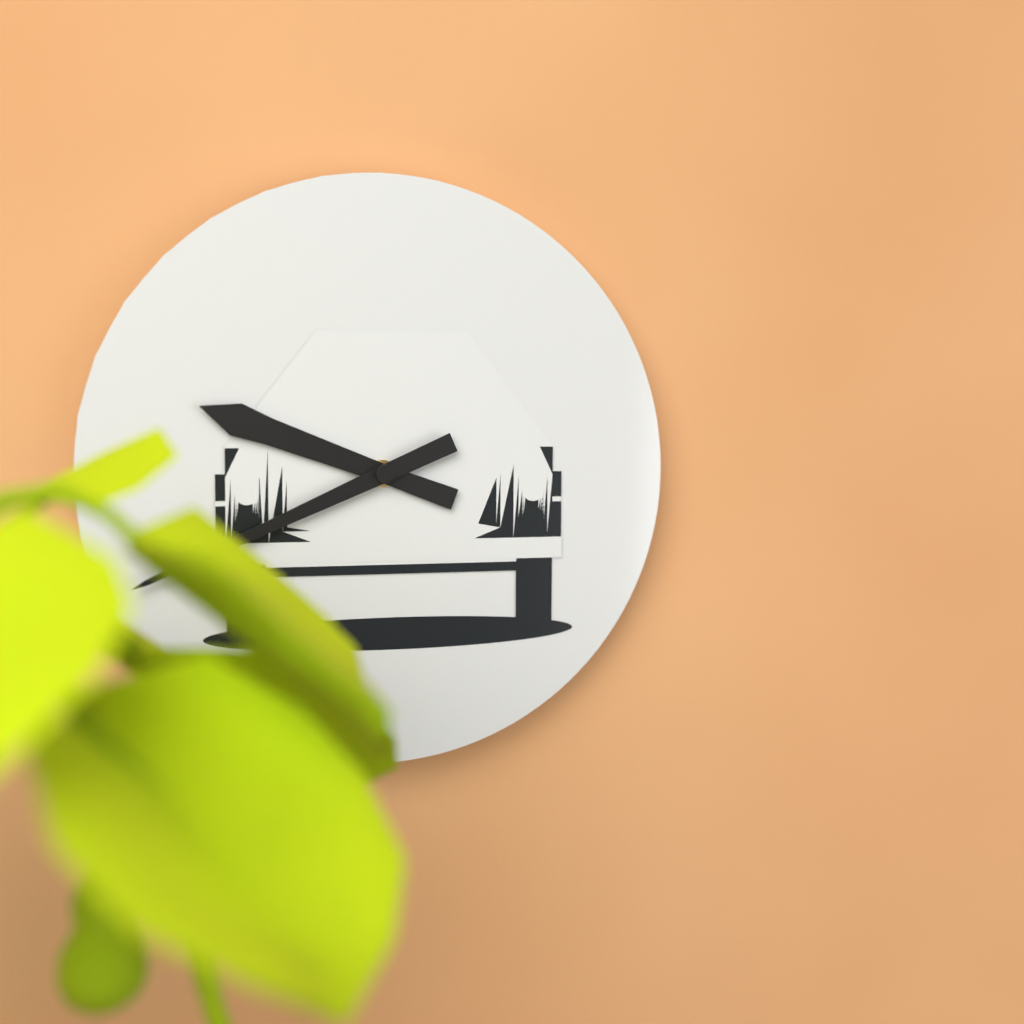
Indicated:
9 h 41 min
